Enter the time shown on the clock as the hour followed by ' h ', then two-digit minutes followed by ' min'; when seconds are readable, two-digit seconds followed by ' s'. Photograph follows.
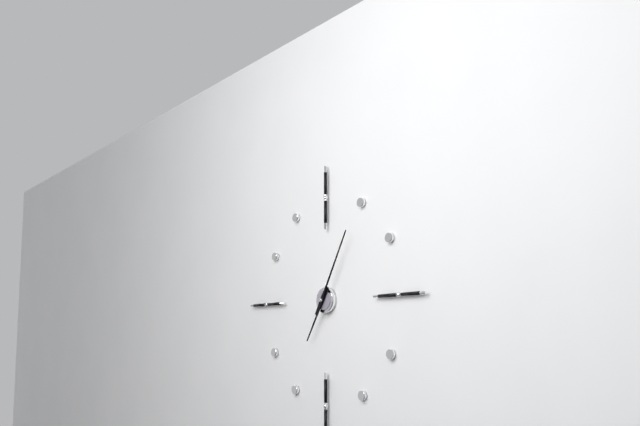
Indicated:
7 h 05 min
